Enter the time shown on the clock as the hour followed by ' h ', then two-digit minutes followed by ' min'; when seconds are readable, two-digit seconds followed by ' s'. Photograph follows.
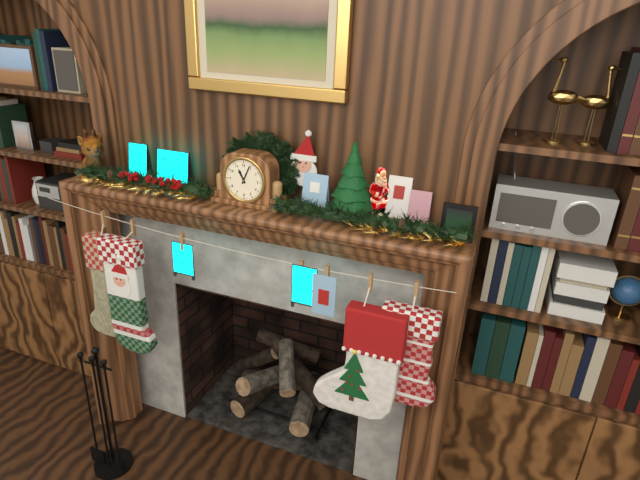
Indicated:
11 h 04 min
